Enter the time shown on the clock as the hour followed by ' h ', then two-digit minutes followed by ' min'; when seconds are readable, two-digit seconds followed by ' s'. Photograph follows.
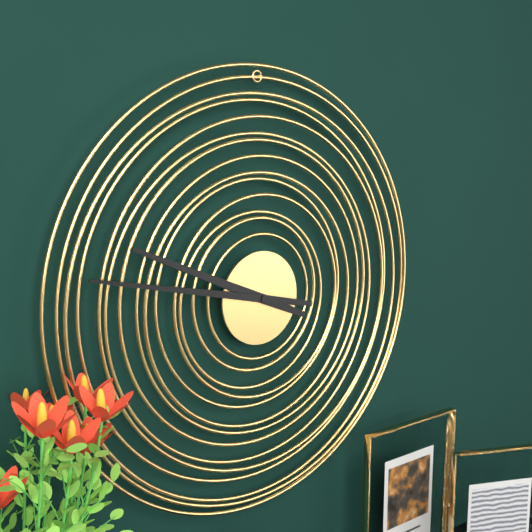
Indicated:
9 h 47 min
